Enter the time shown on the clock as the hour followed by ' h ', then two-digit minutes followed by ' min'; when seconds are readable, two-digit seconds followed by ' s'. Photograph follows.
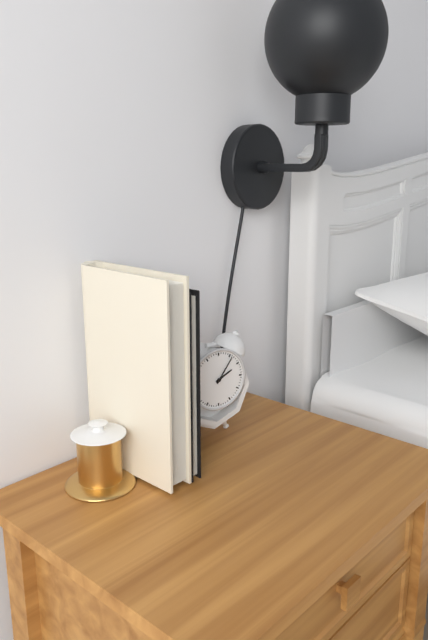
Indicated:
2 h 06 min
